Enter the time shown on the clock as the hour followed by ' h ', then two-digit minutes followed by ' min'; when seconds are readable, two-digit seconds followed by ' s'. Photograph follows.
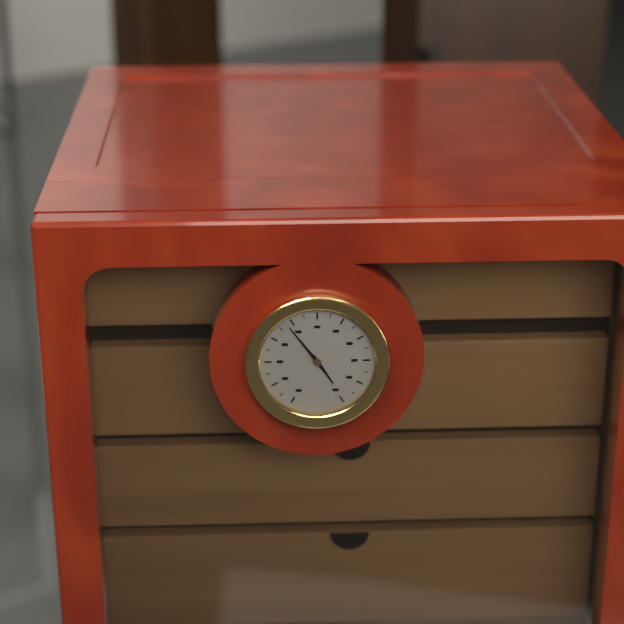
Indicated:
4 h 54 min
